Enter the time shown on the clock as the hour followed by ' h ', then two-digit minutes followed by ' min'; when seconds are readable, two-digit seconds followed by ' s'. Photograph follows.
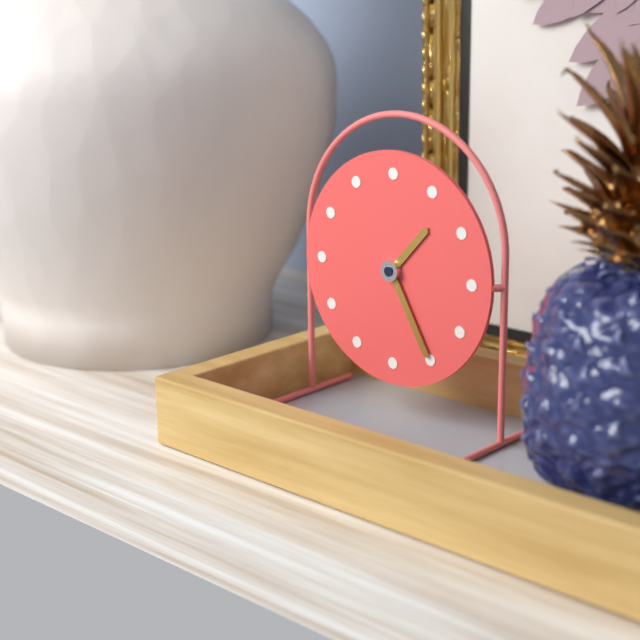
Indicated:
1 h 25 min
